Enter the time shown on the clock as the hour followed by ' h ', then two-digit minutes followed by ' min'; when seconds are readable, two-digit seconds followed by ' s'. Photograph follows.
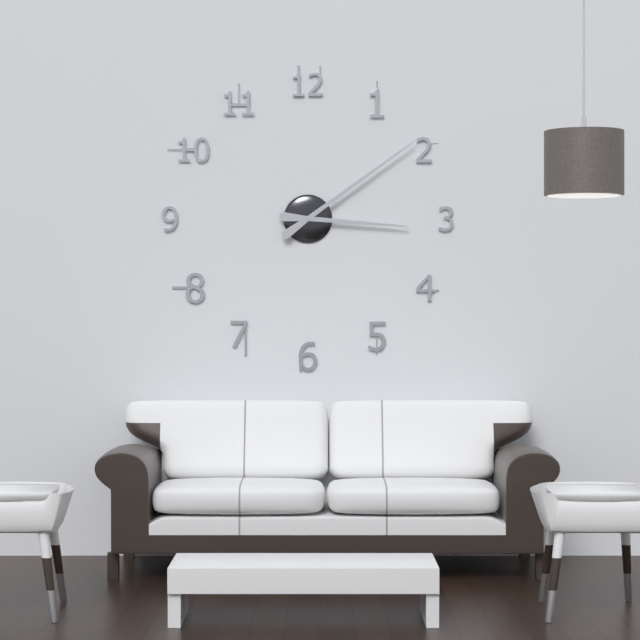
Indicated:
3 h 09 min
